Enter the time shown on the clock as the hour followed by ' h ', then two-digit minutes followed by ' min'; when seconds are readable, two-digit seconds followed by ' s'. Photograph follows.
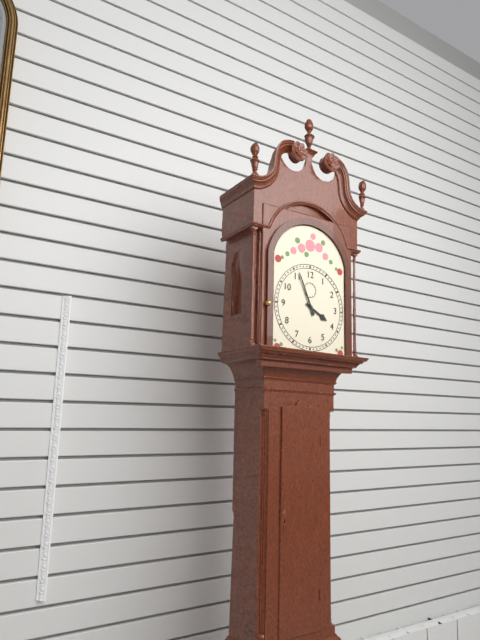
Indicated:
3 h 56 min
